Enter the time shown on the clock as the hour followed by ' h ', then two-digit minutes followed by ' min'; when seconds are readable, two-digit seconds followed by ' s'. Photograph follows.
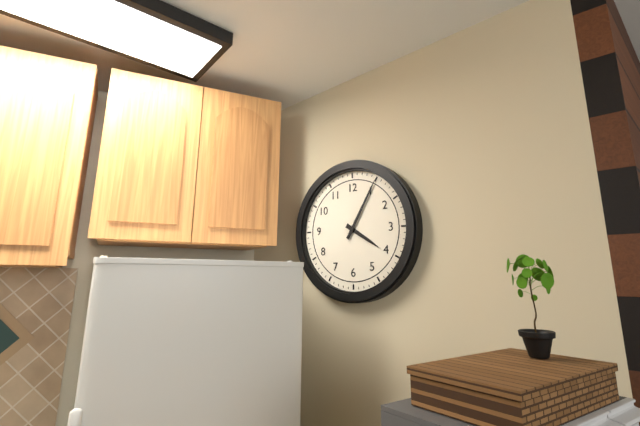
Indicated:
4 h 05 min
